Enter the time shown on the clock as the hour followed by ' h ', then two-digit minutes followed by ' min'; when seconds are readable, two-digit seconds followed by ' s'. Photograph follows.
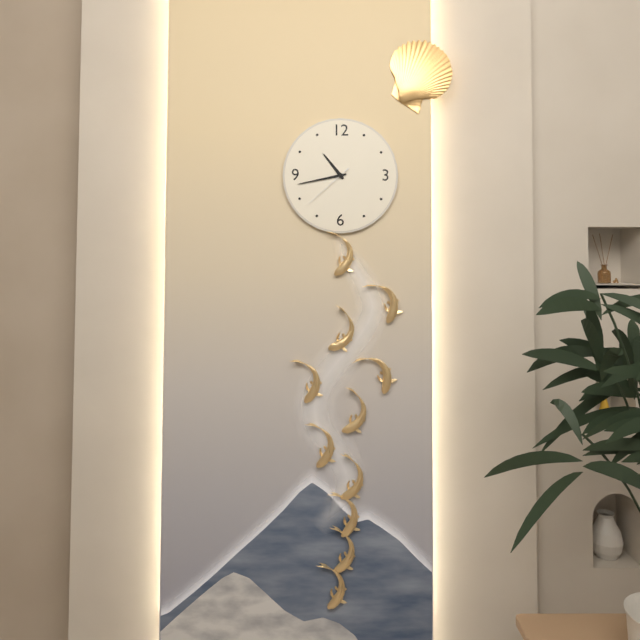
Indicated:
10 h 43 min 38 s
